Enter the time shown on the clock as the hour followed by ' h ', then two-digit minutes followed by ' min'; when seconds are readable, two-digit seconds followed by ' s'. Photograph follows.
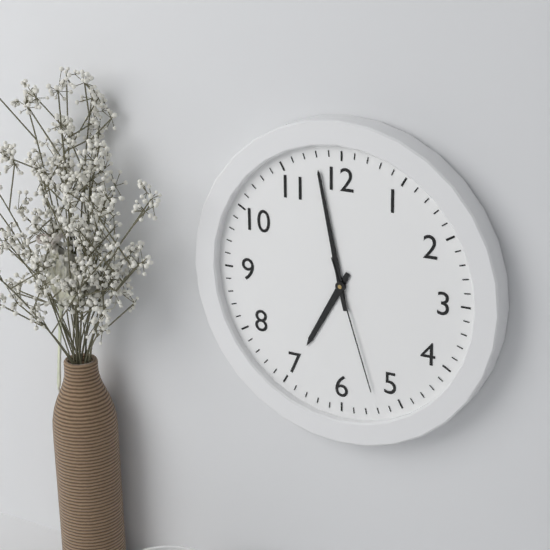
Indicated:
6 h 58 min 27 s
